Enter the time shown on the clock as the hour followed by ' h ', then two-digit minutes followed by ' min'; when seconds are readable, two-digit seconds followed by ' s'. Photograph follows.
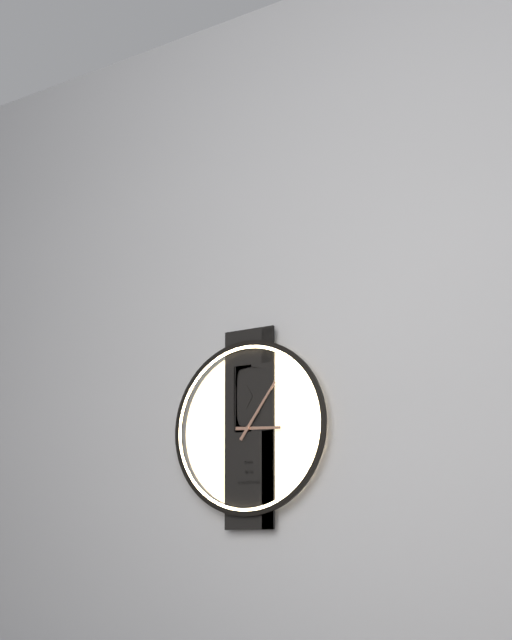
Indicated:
3 h 06 min
